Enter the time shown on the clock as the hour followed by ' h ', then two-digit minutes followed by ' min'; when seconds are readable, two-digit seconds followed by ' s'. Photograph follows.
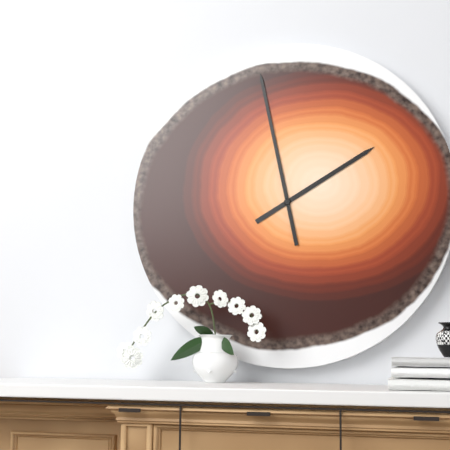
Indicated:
1 h 58 min
